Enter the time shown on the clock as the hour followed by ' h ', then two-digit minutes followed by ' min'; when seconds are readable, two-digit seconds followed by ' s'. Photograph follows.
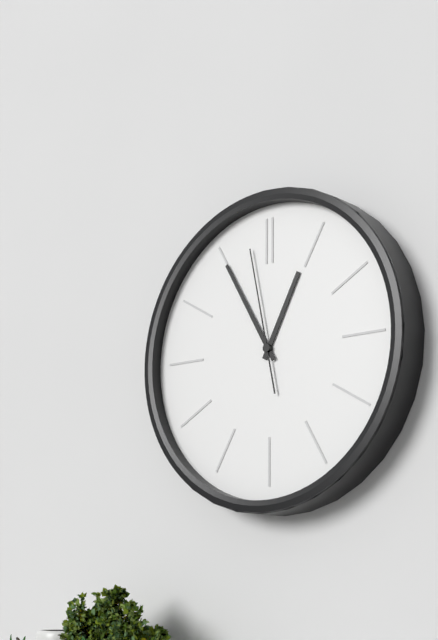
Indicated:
12 h 55 min 58 s
